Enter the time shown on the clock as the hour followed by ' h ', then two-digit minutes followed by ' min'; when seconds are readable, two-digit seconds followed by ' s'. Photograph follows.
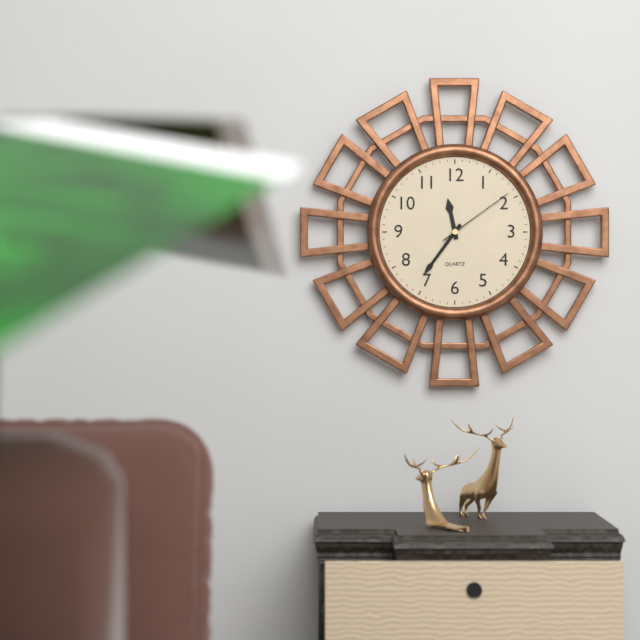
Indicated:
11 h 36 min 09 s
